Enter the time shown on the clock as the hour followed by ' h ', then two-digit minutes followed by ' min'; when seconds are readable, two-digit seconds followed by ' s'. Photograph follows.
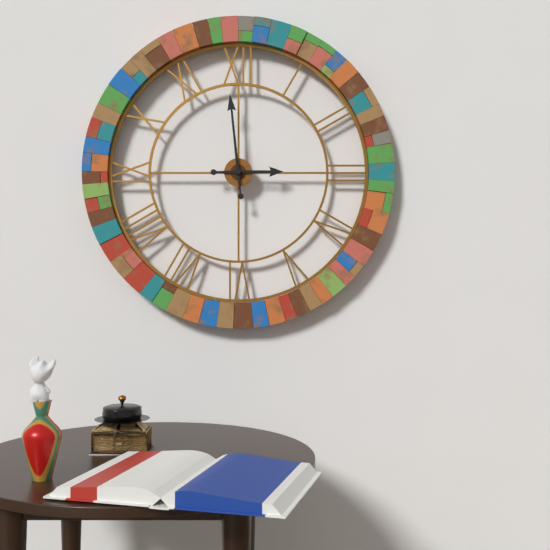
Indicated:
2 h 59 min
